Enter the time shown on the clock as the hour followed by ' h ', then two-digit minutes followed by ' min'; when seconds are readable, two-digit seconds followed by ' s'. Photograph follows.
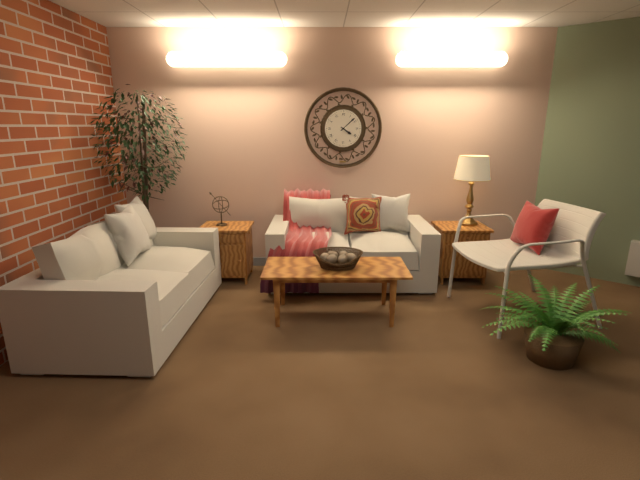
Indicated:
4 h 08 min
